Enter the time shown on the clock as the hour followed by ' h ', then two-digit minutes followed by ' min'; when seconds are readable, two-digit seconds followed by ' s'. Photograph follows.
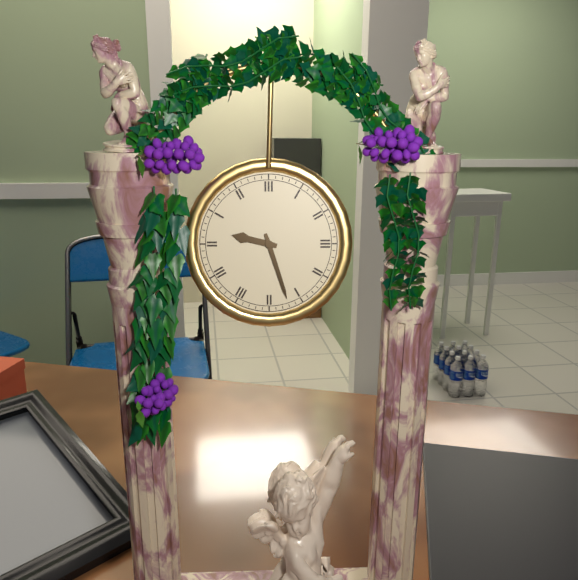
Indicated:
9 h 27 min
